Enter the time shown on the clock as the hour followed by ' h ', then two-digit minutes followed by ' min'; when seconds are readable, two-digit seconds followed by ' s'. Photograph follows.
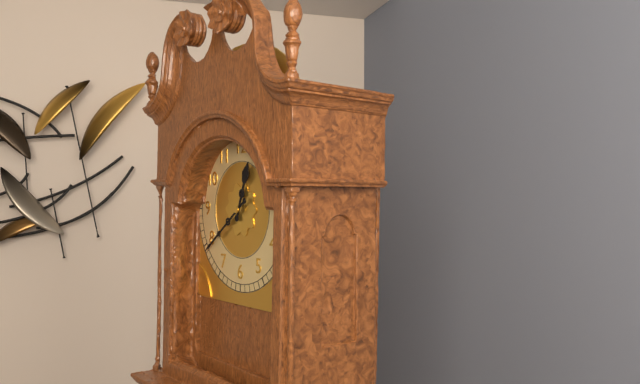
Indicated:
12 h 39 min
